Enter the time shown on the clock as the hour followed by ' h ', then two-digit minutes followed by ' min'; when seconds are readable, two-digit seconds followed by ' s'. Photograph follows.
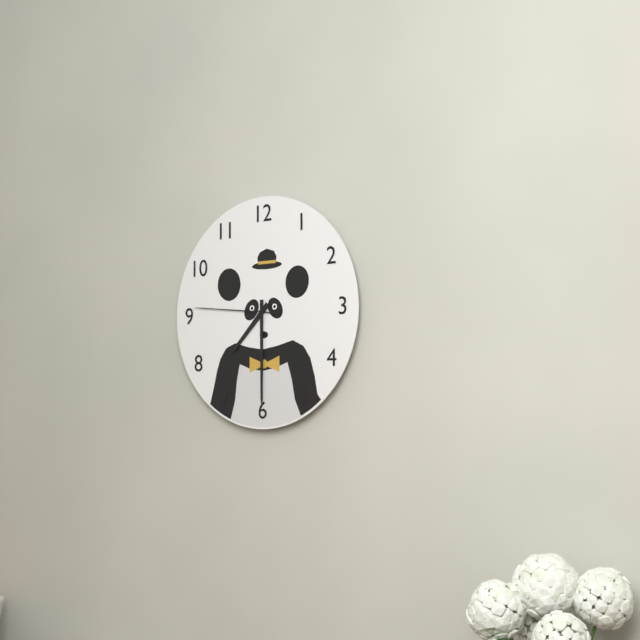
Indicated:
7 h 30 min 46 s
